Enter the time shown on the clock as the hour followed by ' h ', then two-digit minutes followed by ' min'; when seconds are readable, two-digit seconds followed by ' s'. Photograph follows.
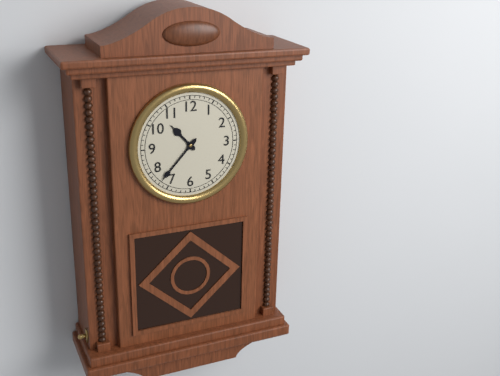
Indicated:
10 h 37 min
